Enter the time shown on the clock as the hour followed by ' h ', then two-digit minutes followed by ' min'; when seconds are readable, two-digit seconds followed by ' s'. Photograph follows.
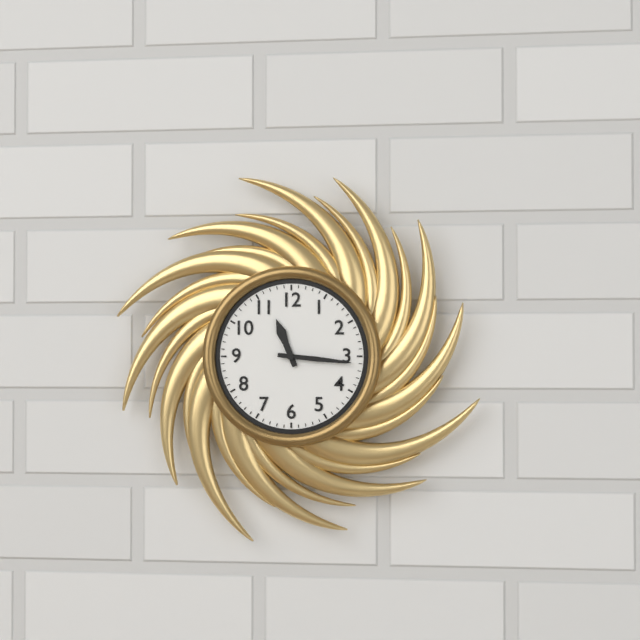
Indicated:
11 h 16 min
